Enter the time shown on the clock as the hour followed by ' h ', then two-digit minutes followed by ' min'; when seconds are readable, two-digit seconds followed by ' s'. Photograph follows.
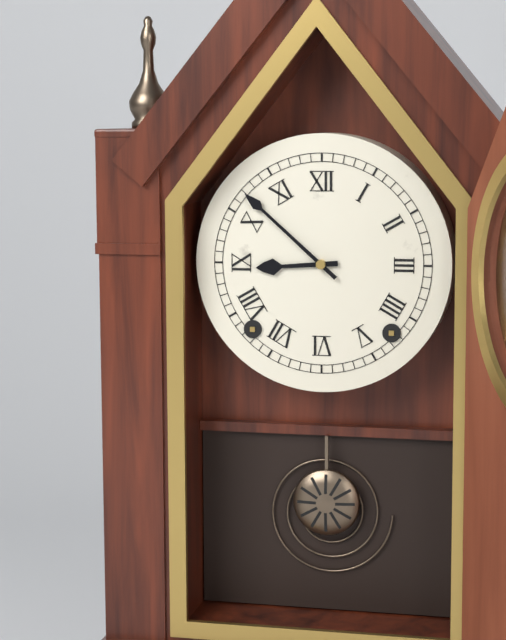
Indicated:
8 h 52 min
